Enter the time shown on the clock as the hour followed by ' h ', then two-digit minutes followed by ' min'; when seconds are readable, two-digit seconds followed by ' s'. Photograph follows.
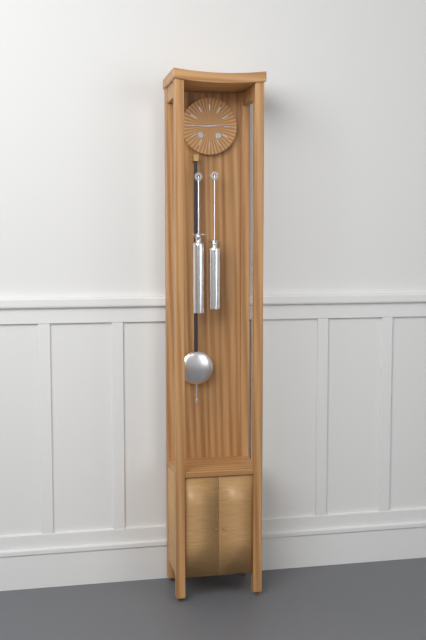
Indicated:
2 h 45 min
